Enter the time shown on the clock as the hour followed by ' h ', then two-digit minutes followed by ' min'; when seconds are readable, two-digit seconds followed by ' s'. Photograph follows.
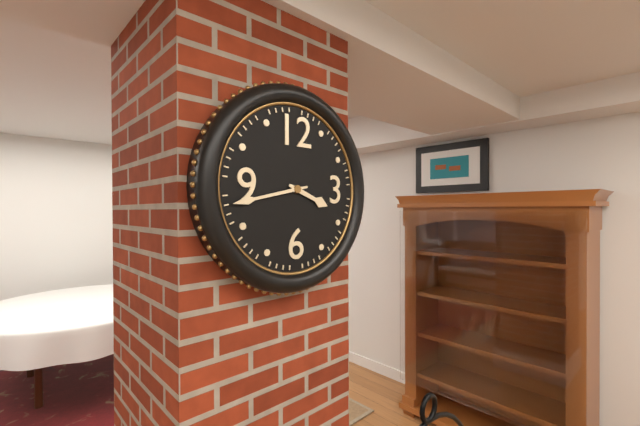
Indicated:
3 h 43 min
